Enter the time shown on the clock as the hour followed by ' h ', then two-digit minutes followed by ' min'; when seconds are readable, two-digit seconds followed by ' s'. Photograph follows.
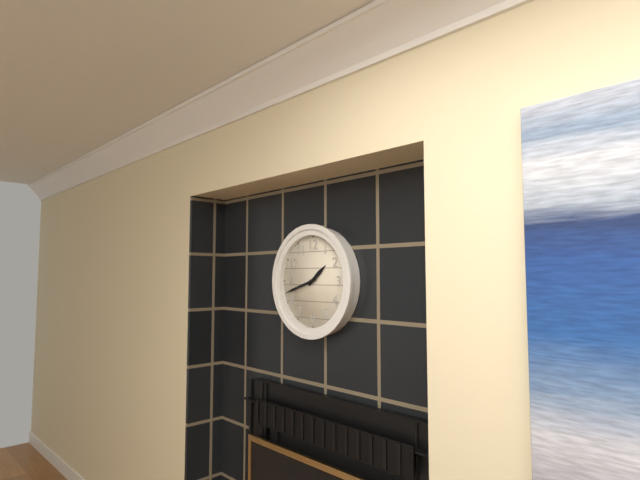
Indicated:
1 h 42 min
